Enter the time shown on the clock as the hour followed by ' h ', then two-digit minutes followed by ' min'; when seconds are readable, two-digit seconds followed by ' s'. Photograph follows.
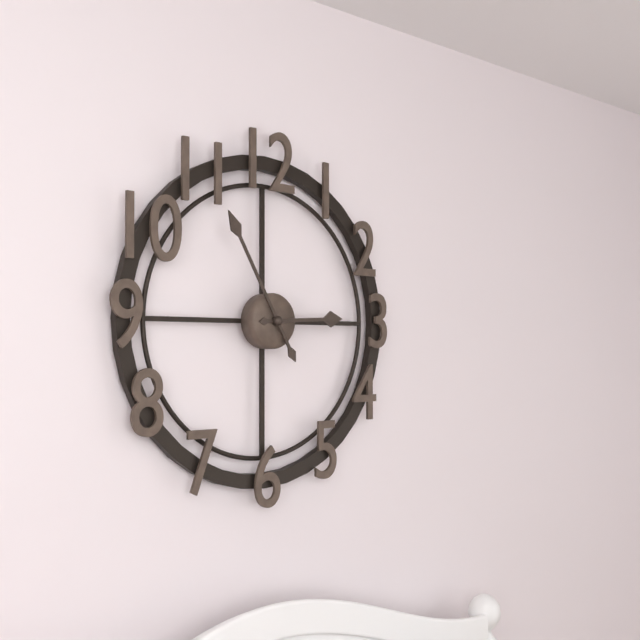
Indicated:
2 h 55 min
